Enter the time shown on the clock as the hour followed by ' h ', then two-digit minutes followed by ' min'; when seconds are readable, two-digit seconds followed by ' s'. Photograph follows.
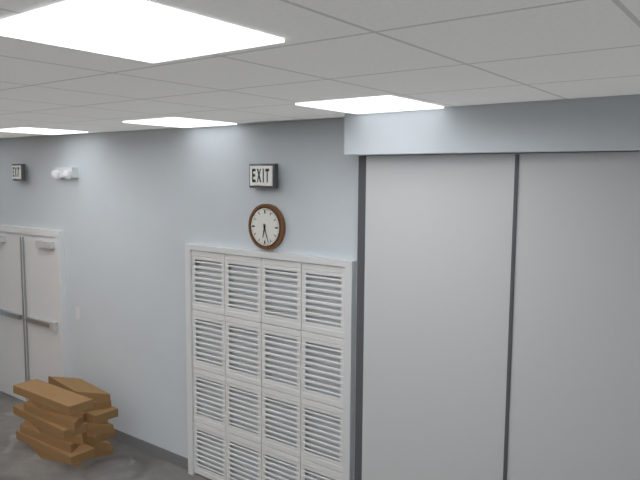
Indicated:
6 h 27 min
